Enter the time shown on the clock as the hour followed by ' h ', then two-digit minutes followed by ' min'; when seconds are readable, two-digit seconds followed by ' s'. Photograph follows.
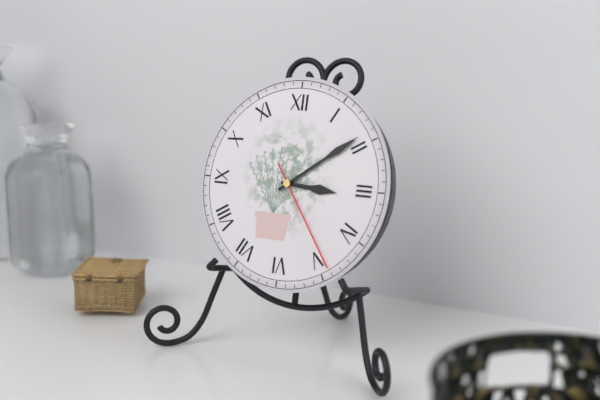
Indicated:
3 h 09 min 24 s
